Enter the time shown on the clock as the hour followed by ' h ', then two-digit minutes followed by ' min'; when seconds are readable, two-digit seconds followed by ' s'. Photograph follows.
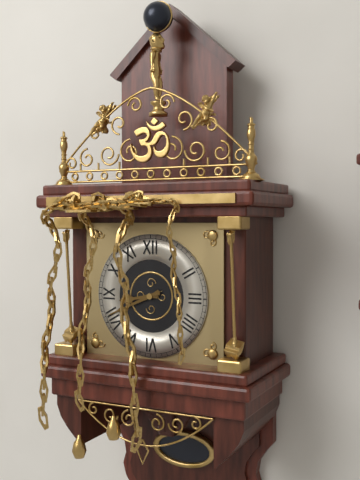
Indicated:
8 h 41 min
